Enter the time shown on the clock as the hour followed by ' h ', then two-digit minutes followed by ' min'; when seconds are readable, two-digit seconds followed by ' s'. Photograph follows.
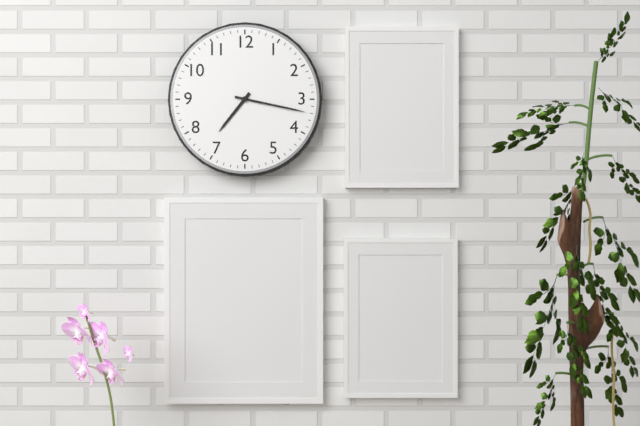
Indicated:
7 h 17 min
